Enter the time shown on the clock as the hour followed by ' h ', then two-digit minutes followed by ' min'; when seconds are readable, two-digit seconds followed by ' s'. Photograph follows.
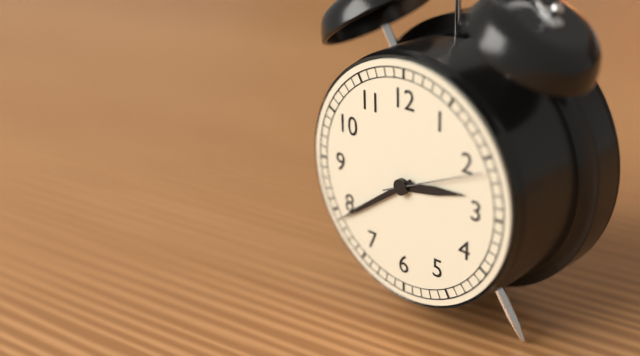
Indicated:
2 h 39 min 11 s
